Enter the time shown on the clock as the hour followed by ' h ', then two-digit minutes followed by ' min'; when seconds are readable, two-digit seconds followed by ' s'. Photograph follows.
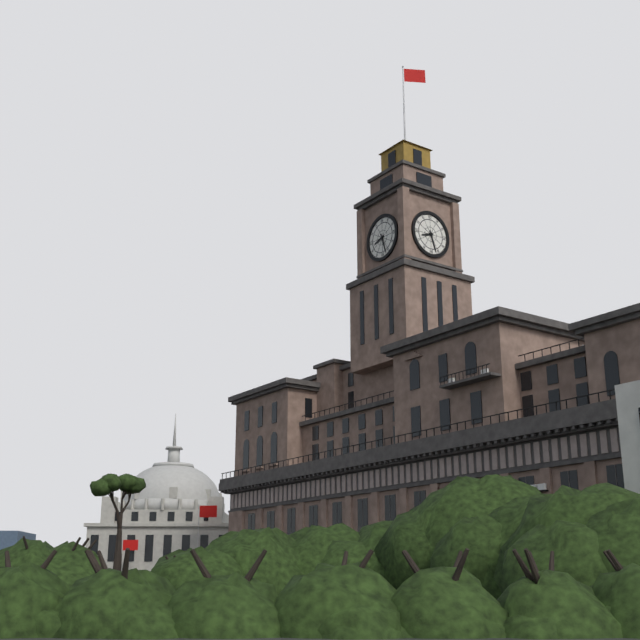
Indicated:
8 h 27 min
